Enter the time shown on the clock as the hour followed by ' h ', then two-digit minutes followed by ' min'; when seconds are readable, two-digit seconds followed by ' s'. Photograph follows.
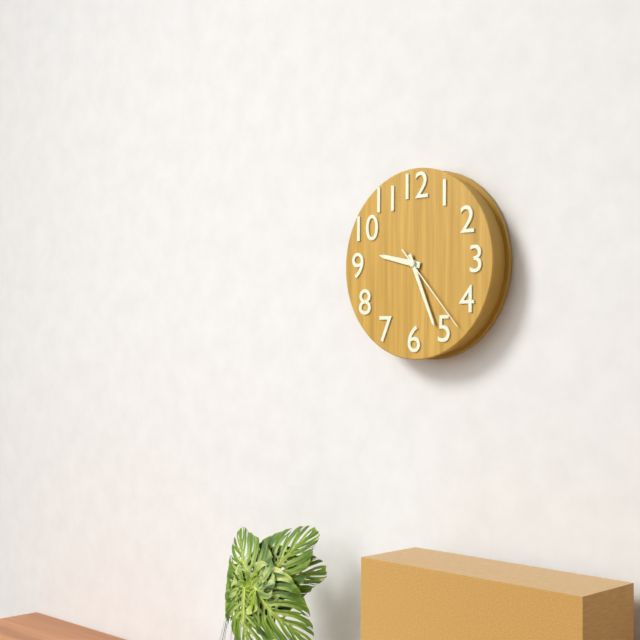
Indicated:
9 h 26 min 23 s
